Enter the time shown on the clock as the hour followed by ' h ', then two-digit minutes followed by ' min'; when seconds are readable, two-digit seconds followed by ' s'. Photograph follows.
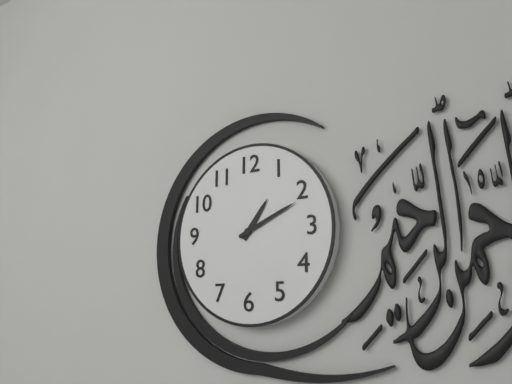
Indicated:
1 h 11 min
